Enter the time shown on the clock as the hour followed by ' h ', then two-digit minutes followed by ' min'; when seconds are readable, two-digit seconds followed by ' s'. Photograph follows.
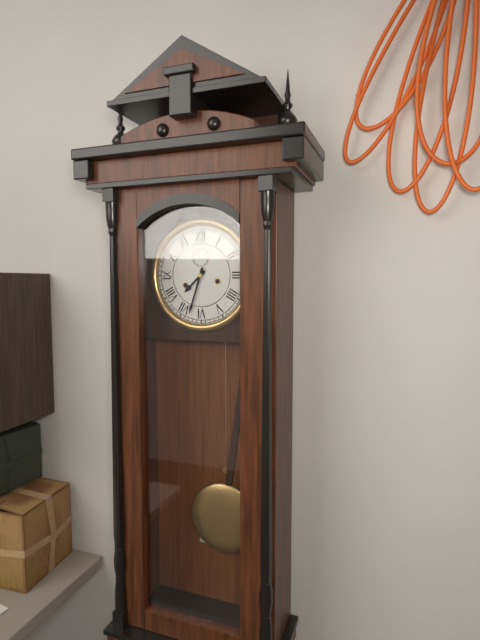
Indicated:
7 h 33 min
